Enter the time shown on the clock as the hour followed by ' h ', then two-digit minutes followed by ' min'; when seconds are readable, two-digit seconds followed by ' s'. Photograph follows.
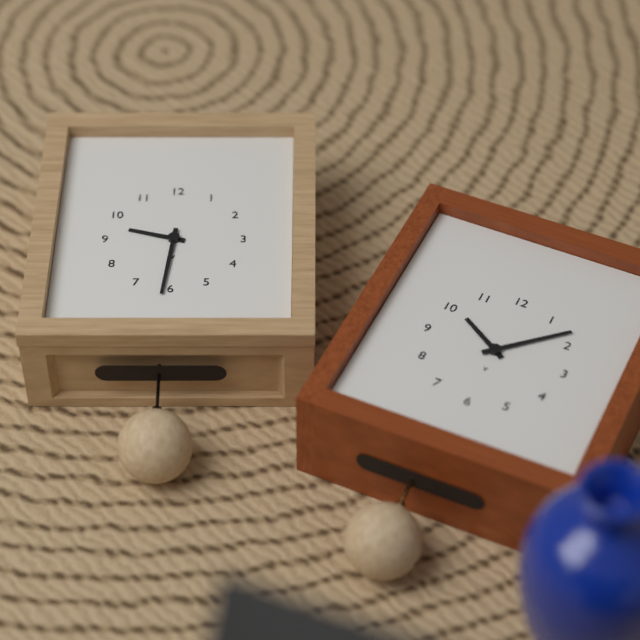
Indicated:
9 h 31 min
